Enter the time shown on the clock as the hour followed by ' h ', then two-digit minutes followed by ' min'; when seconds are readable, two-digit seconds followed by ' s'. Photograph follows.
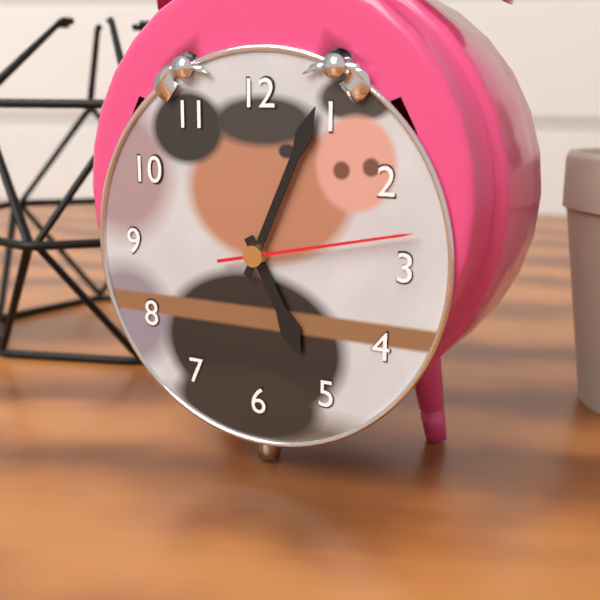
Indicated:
5 h 04 min 13 s
